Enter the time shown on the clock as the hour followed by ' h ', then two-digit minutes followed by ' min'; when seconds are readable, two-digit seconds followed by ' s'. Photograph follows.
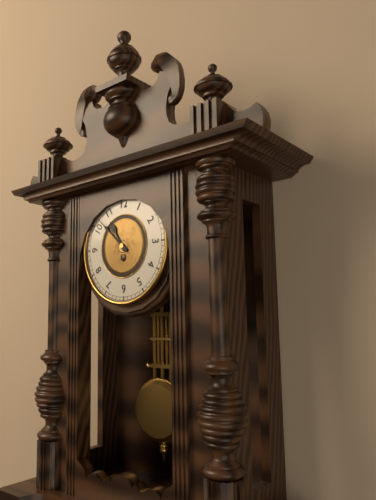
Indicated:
10 h 52 min
